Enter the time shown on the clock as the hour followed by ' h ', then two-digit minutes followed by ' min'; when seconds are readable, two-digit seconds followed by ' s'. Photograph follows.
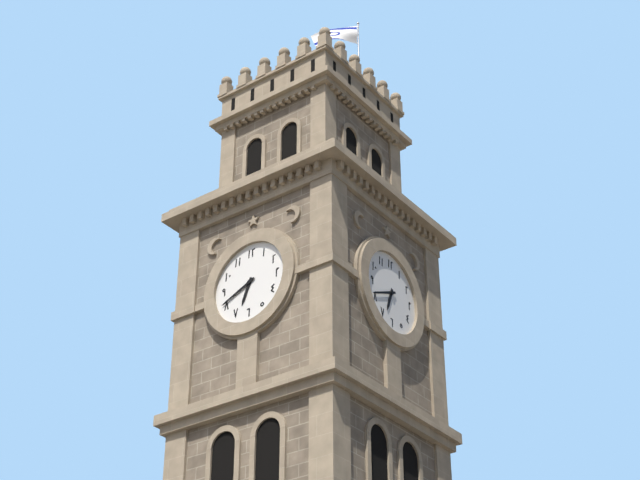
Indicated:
6 h 41 min
